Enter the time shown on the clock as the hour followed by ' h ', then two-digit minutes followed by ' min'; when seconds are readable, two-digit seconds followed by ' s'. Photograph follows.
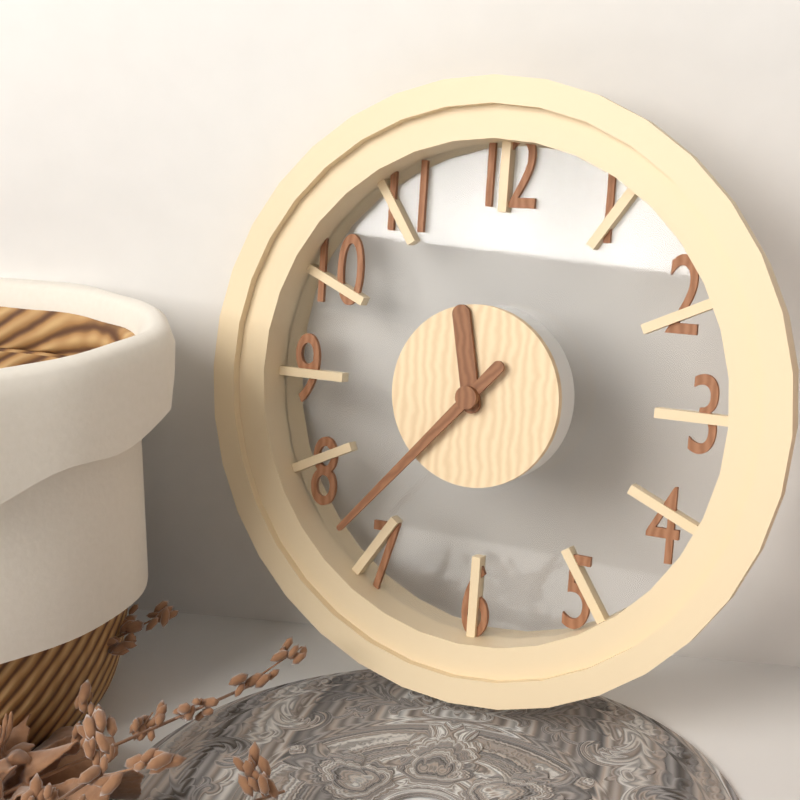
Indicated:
11 h 37 min
